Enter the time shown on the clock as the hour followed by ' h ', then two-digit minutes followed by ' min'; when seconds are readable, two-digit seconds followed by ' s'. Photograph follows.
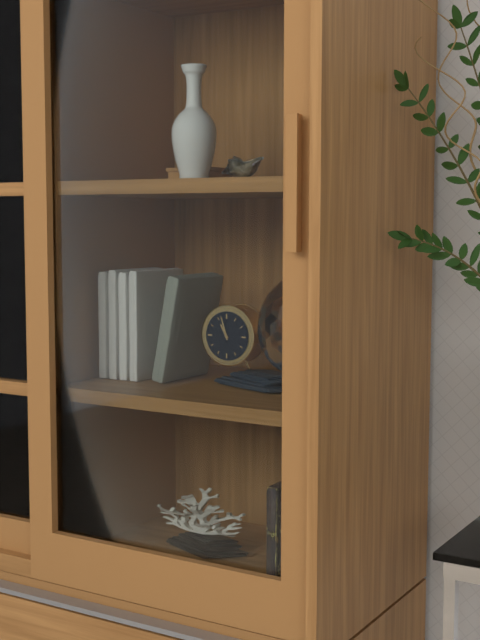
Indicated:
10 h 57 min
